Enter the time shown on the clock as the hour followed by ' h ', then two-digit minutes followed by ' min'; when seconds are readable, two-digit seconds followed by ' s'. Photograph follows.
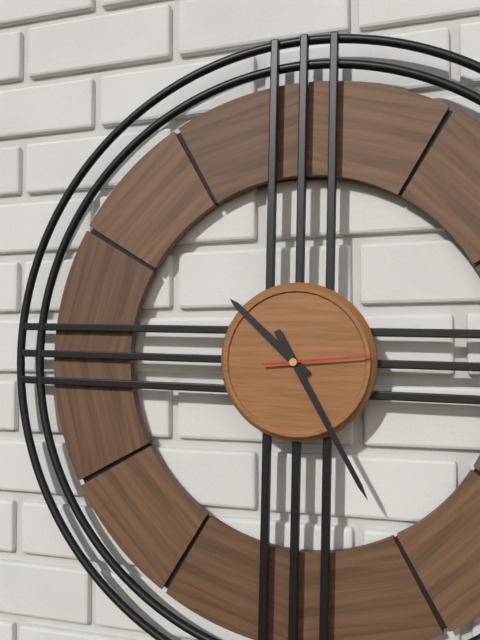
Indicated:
10 h 25 min 14 s
